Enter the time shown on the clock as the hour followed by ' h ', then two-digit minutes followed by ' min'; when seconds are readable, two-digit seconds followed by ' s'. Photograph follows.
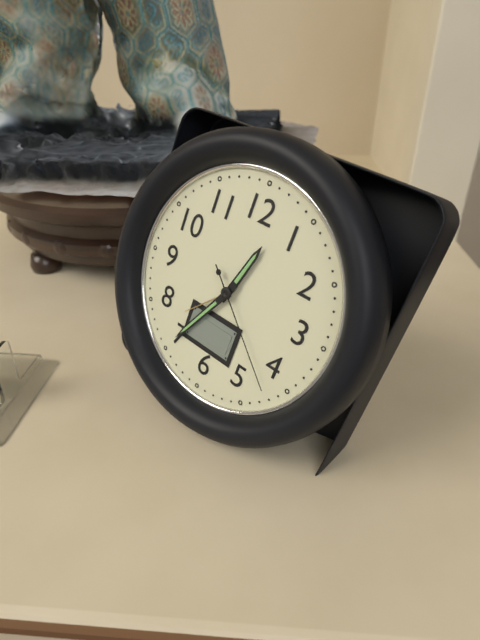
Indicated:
12 h 35 min 22 s
